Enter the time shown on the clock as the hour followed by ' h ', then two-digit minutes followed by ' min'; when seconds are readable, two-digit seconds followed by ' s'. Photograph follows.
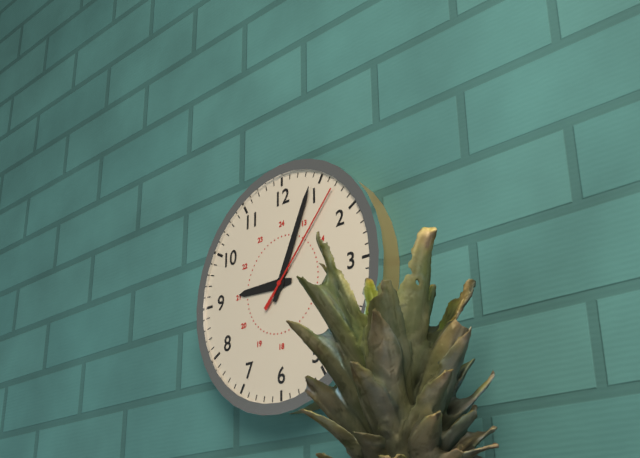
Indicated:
9 h 04 min 07 s
